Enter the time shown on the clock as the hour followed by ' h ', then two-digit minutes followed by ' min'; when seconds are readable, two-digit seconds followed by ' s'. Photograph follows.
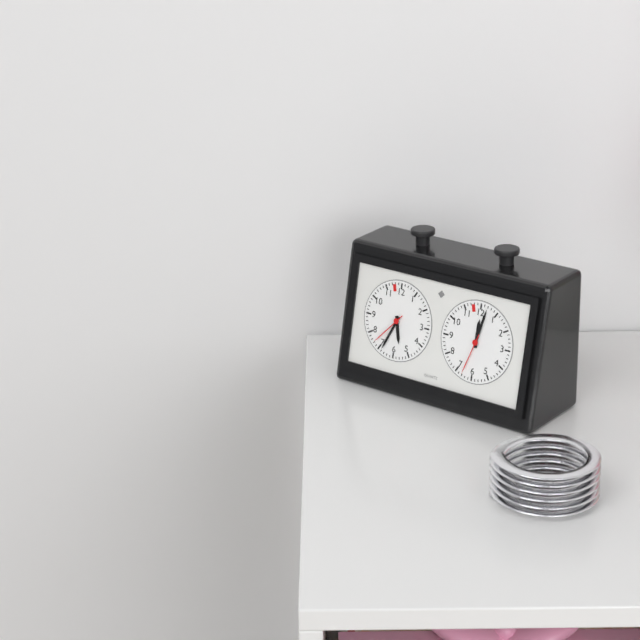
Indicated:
5 h 34 min
